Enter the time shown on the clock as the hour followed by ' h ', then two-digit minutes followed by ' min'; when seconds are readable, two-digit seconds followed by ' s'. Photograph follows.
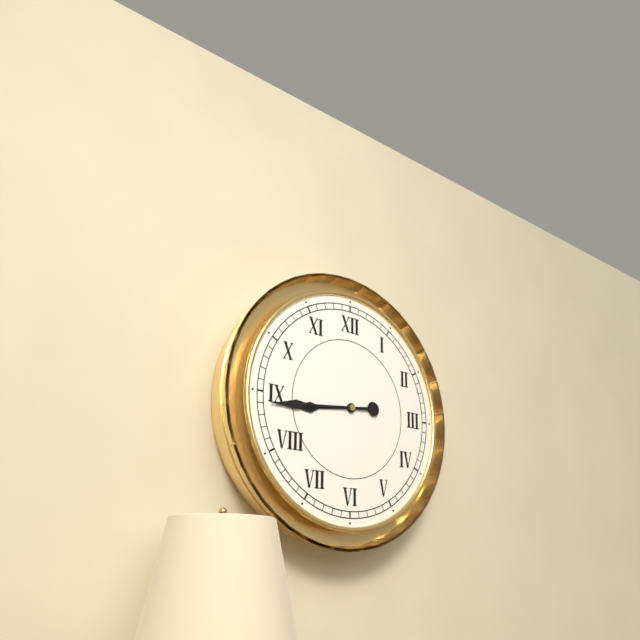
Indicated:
8 h 44 min
